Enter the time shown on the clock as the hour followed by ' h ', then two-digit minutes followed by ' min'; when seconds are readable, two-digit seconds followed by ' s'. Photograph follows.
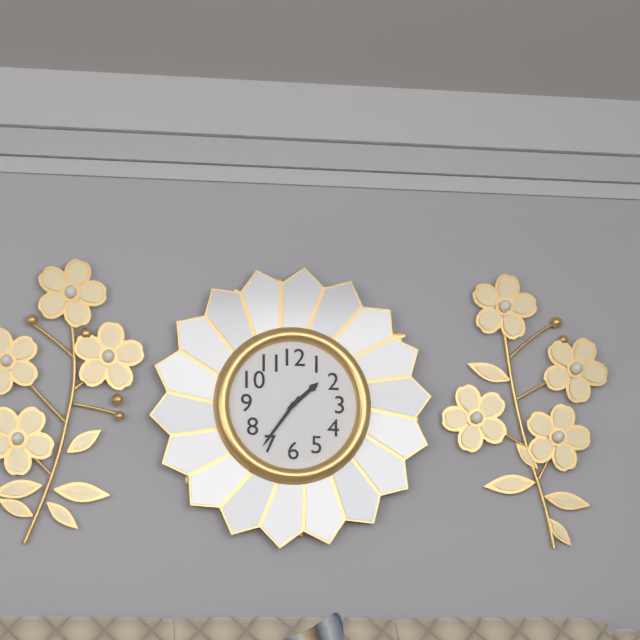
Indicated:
1 h 36 min
